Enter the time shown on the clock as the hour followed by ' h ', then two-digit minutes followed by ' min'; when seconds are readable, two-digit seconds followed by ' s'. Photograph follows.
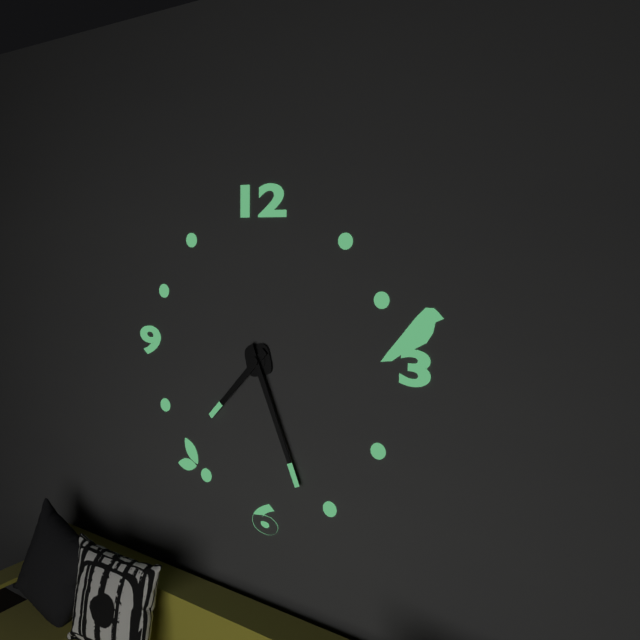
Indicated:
7 h 26 min
